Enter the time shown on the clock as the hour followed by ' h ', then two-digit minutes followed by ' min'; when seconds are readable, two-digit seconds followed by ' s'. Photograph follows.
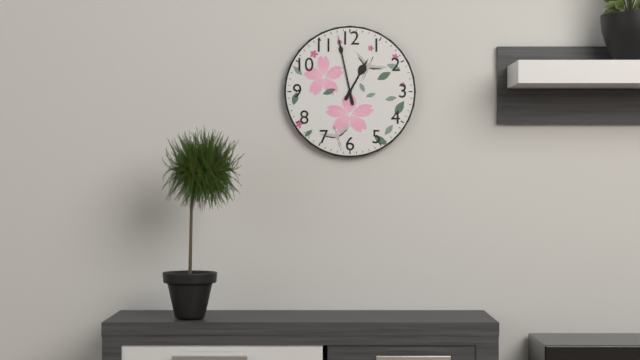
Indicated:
12 h 58 min
